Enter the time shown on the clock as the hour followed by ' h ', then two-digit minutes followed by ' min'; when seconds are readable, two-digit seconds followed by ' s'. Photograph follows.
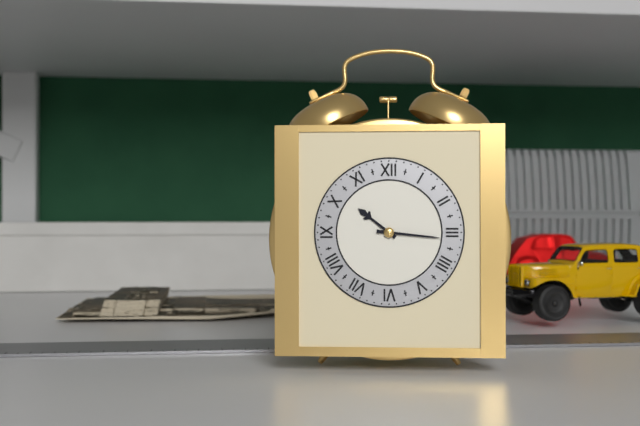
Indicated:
10 h 16 min
